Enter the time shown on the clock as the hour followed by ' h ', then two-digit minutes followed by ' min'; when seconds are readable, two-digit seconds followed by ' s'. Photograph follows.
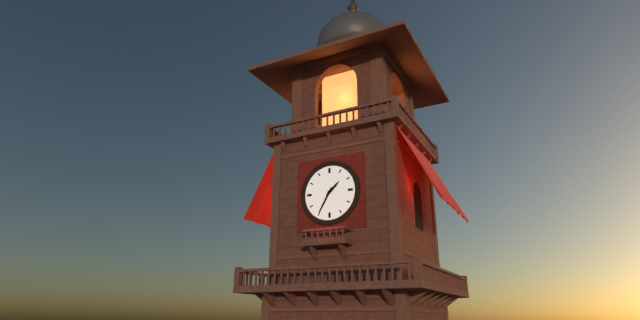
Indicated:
1 h 35 min
